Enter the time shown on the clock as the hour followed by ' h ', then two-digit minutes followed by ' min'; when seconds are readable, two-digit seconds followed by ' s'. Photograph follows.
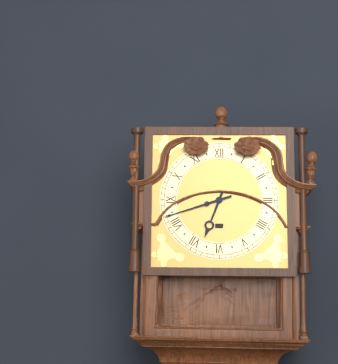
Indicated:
6 h 42 min
